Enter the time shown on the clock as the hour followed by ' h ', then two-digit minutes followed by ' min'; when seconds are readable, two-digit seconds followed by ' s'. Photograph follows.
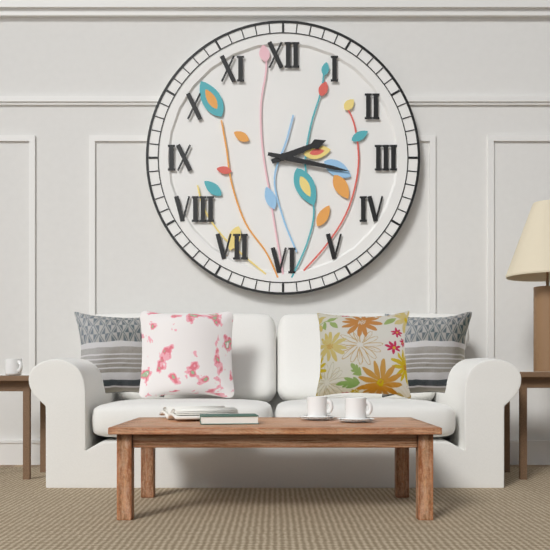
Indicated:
2 h 17 min
